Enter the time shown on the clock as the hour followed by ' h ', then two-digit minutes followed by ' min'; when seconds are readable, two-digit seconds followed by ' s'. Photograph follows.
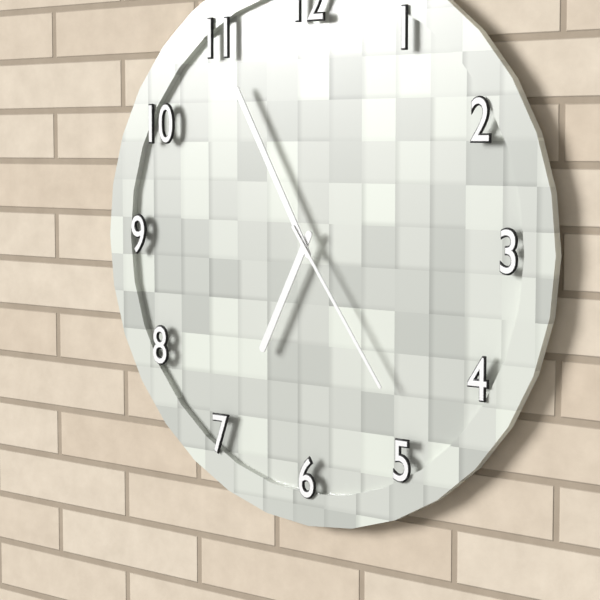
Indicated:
6 h 55 min 24 s
